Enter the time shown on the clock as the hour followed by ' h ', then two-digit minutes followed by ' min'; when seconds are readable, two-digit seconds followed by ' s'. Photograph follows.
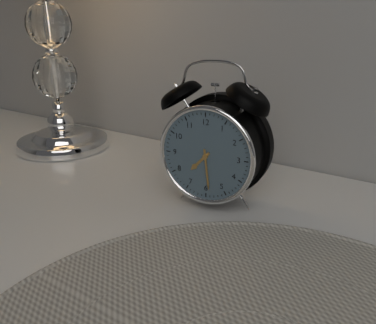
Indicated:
7 h 29 min
